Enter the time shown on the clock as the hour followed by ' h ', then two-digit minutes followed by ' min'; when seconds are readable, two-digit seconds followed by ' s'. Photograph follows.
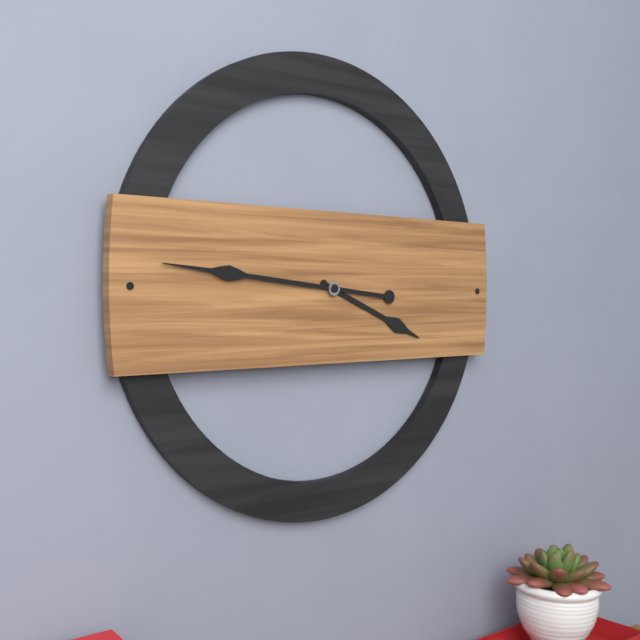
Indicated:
3 h 46 min
